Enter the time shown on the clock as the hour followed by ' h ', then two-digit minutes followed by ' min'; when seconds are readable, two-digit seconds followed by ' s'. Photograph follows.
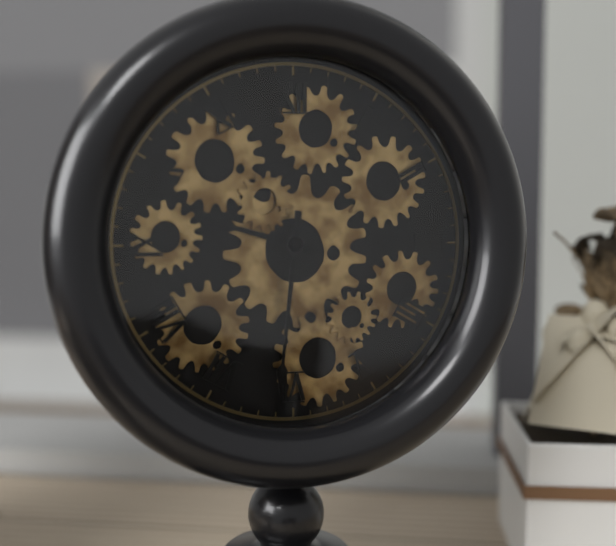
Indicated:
9 h 31 min
